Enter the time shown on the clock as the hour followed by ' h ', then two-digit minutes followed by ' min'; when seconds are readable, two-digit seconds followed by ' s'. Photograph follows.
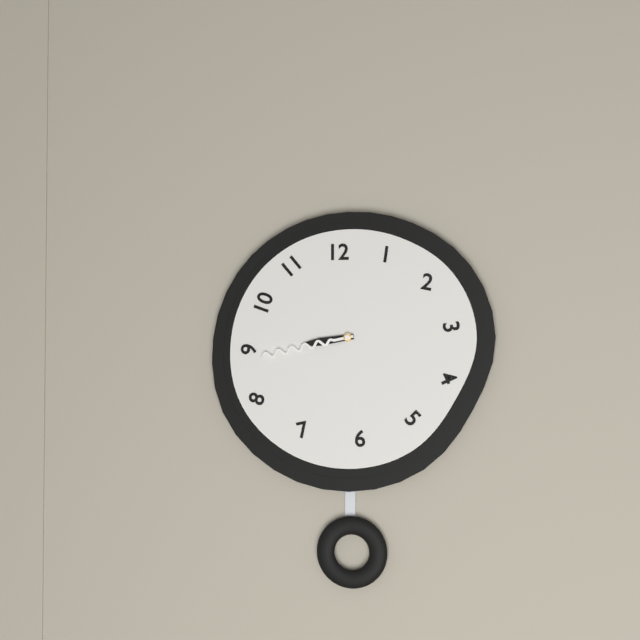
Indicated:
8 h 43 min
